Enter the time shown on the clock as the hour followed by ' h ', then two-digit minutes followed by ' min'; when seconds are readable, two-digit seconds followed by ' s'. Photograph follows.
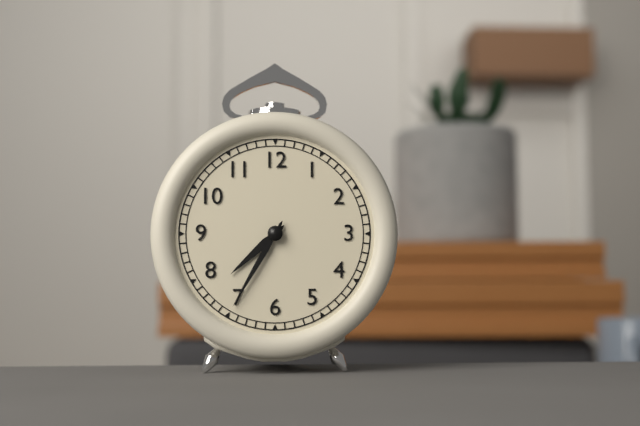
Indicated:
7 h 35 min
